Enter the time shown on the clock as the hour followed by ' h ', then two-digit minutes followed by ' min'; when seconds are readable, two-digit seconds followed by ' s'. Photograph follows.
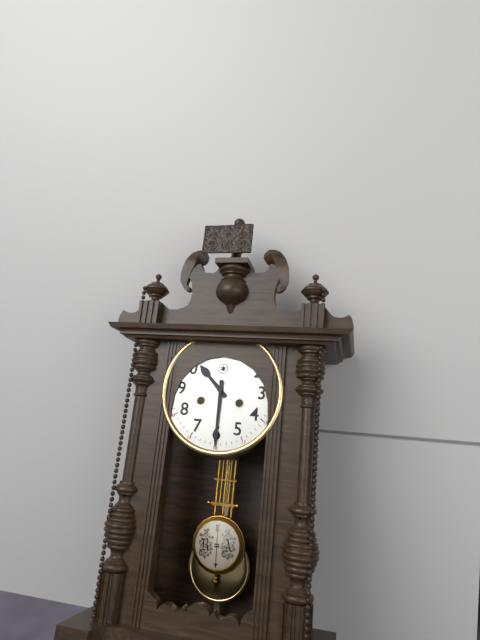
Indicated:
10 h 30 min
